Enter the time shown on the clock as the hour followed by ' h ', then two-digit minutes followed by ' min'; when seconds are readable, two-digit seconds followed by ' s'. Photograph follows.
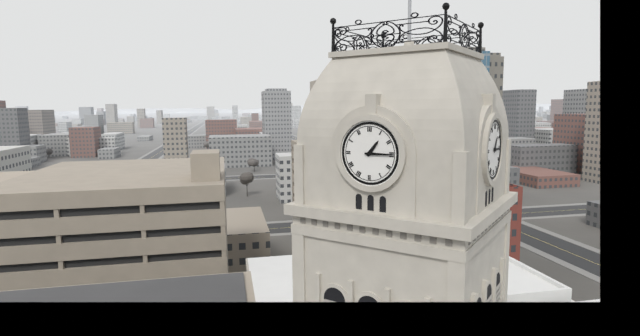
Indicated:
1 h 15 min
